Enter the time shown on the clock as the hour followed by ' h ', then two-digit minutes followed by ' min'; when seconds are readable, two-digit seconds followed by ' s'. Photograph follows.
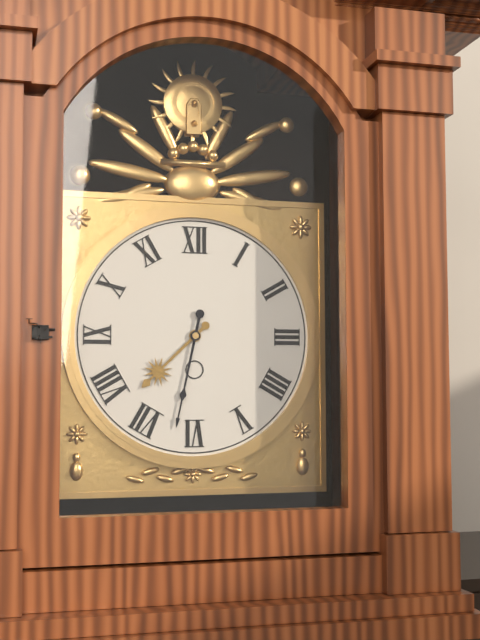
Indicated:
7 h 32 min
